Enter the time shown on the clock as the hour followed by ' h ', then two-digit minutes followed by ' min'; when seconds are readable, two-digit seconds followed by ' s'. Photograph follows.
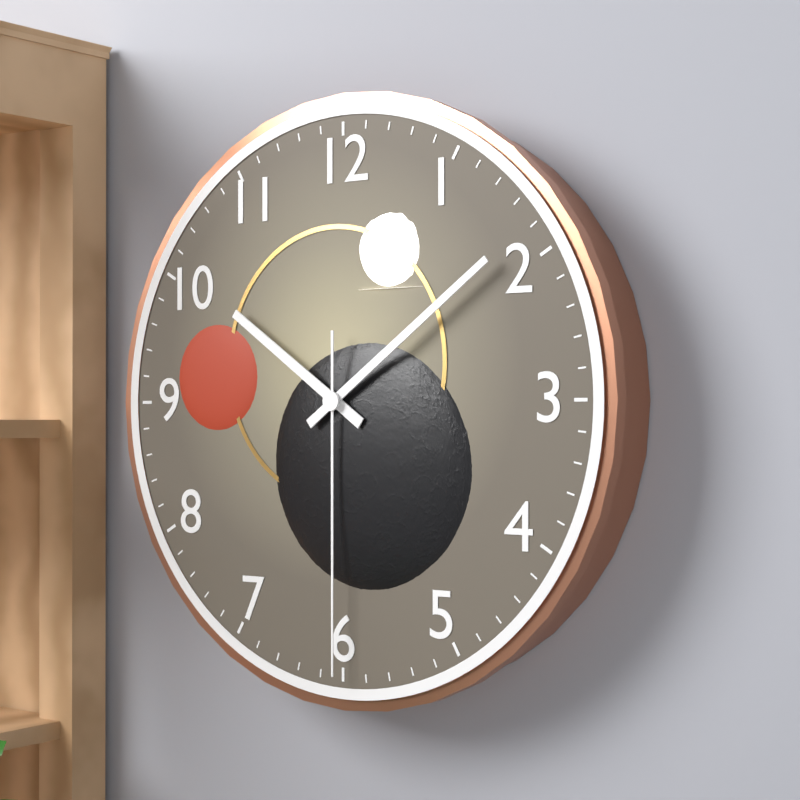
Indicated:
10 h 09 min 30 s
